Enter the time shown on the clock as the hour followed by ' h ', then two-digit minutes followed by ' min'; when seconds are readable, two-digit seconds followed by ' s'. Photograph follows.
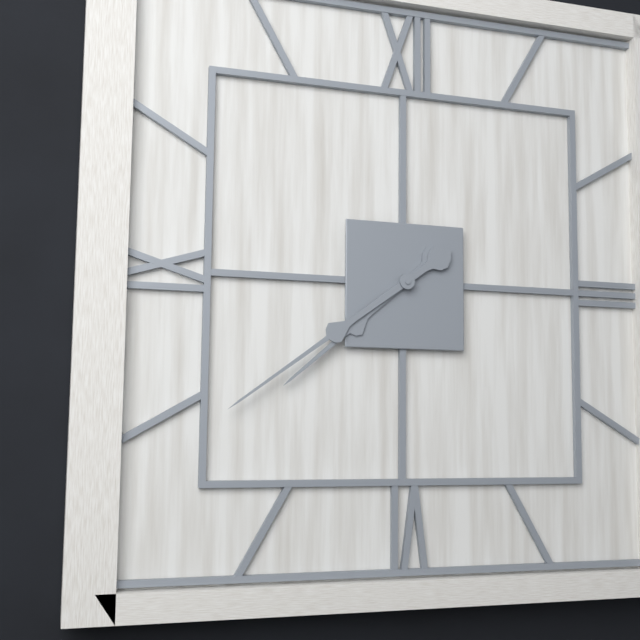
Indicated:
7 h 39 min
